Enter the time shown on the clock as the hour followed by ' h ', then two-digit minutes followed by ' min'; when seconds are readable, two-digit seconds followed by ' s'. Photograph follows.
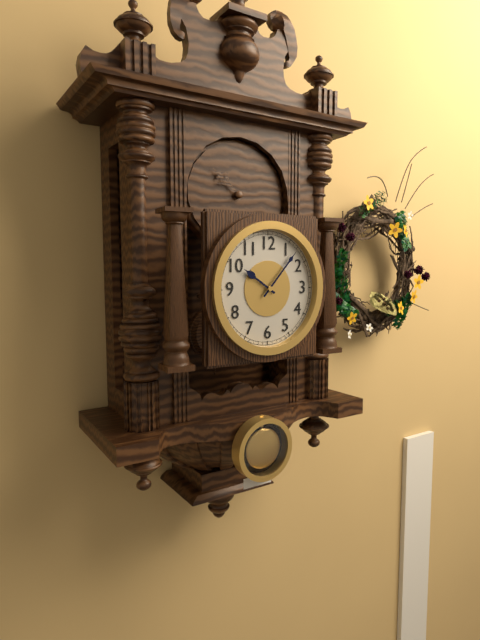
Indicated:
10 h 07 min
